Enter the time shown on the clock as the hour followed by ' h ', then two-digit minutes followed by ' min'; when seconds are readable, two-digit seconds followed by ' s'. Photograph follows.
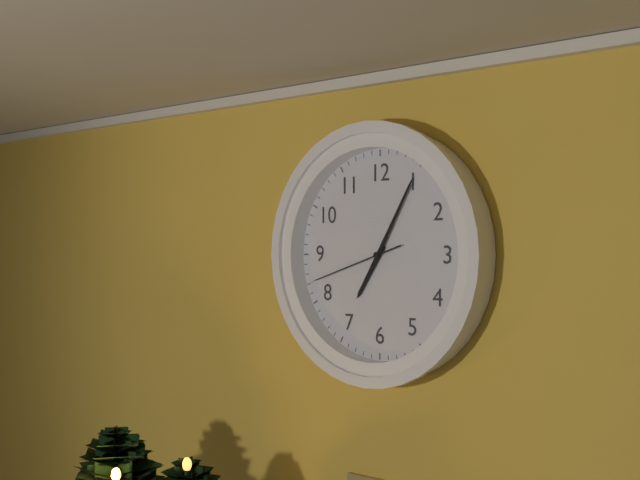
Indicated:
7 h 05 min 42 s
